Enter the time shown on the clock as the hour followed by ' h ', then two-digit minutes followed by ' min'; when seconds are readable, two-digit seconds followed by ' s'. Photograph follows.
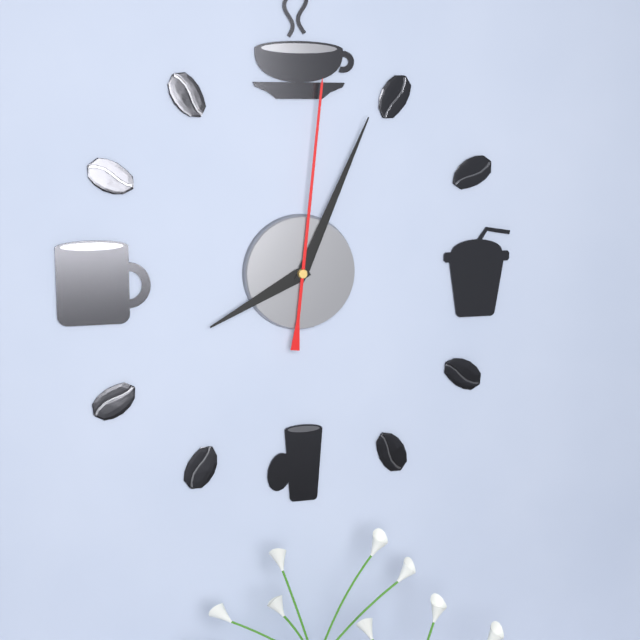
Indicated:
8 h 04 min 01 s
